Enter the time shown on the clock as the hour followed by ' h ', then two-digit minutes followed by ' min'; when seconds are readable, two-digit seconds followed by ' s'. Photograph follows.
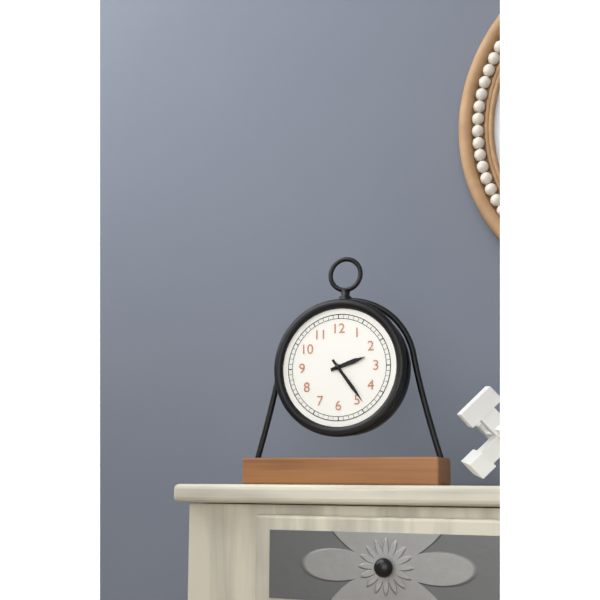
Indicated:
2 h 24 min
